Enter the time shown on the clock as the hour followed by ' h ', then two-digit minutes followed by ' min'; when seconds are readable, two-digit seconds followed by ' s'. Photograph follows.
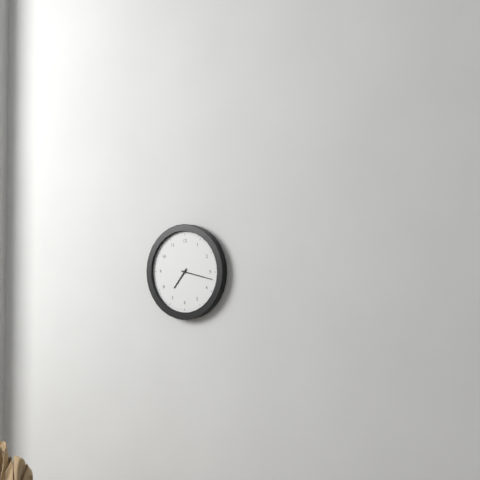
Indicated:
7 h 17 min
